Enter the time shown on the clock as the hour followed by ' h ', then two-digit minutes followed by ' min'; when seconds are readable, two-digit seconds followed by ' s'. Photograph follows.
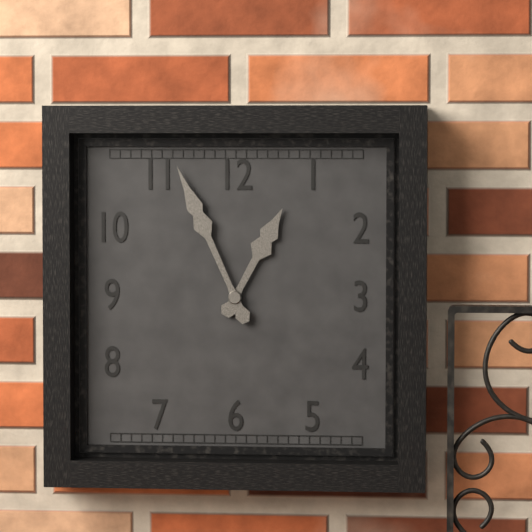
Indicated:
12 h 56 min
